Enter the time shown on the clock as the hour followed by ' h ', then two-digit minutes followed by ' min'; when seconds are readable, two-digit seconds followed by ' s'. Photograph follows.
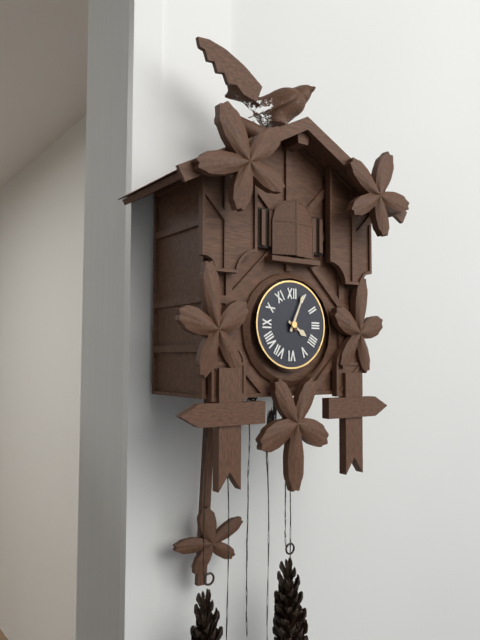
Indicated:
4 h 04 min
